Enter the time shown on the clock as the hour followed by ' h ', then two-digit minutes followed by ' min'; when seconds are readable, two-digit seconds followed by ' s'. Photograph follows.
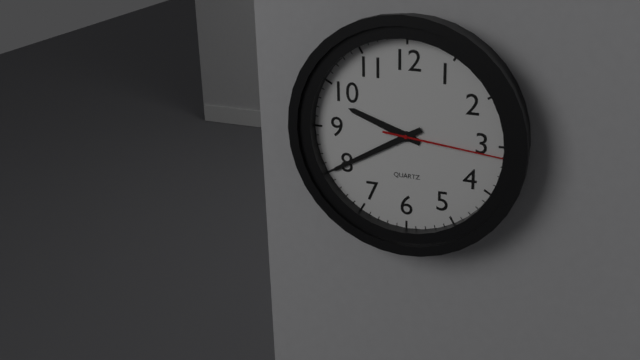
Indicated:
9 h 40 min 16 s
